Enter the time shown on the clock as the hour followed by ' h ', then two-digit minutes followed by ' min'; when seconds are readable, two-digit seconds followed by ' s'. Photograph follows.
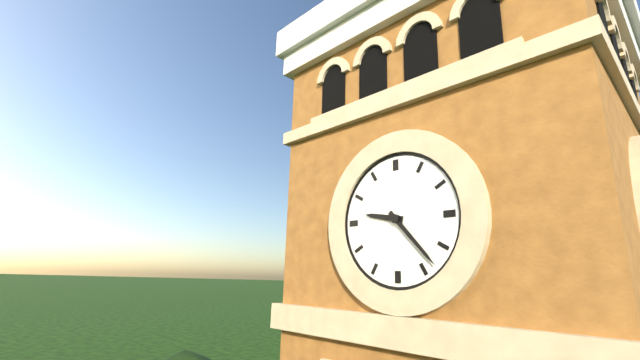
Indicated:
9 h 23 min
